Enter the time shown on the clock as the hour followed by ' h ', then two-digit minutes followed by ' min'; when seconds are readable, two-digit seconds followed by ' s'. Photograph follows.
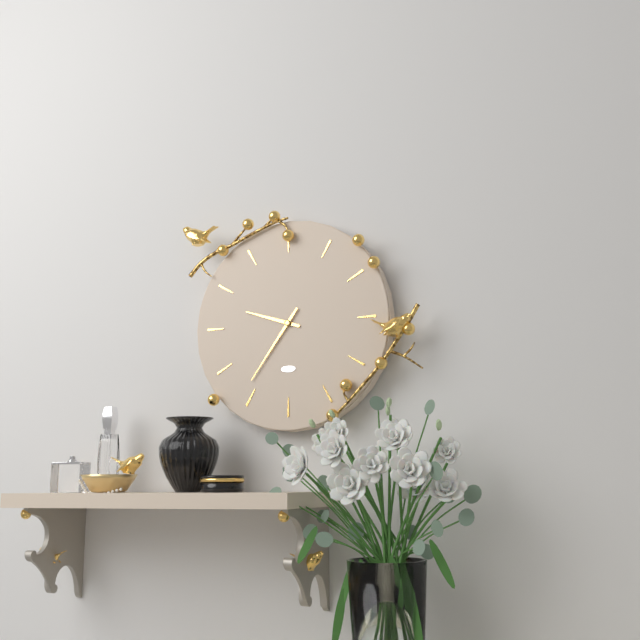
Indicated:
9 h 36 min
